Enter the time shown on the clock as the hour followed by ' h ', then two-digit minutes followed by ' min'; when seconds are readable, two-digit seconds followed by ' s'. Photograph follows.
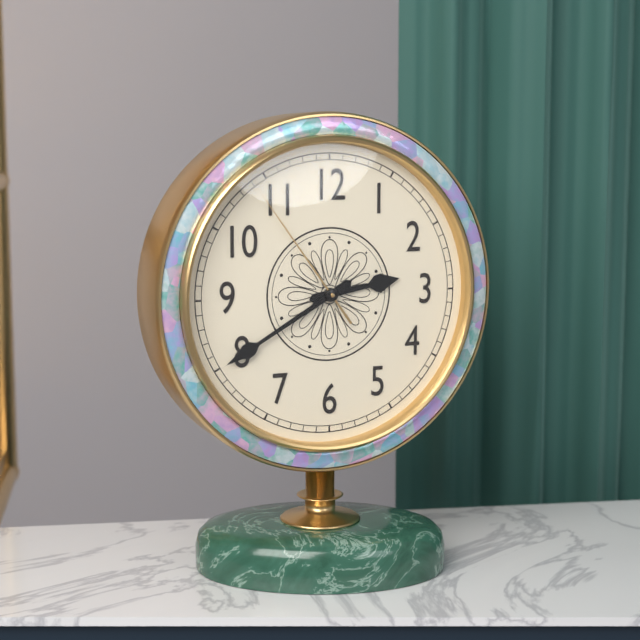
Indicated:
2 h 40 min 54 s
